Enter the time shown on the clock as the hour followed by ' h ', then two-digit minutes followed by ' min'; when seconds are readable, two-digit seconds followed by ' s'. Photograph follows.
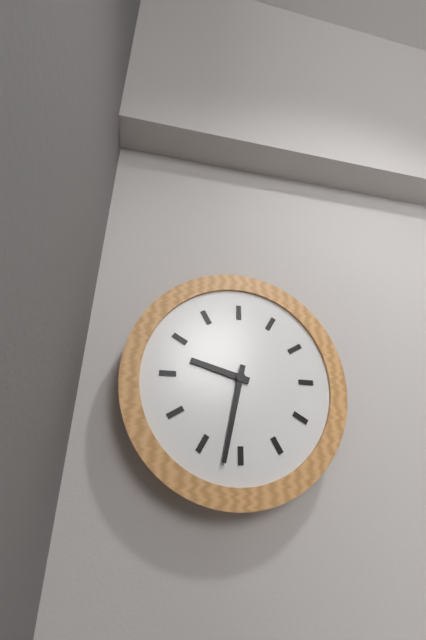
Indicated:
9 h 32 min
